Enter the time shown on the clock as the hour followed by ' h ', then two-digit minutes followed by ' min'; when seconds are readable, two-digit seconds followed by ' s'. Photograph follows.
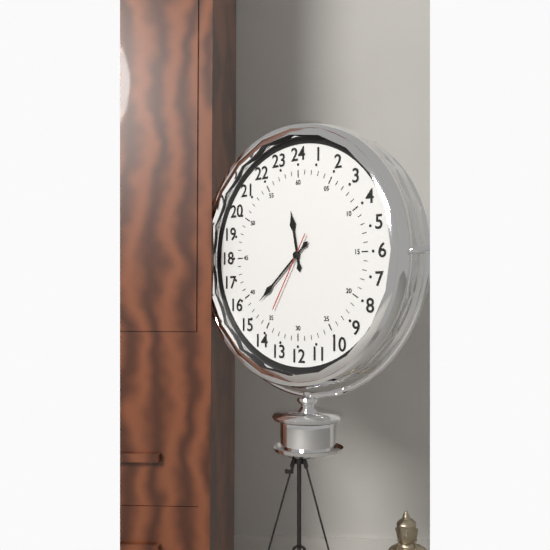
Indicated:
11 h 38 min 35 s
